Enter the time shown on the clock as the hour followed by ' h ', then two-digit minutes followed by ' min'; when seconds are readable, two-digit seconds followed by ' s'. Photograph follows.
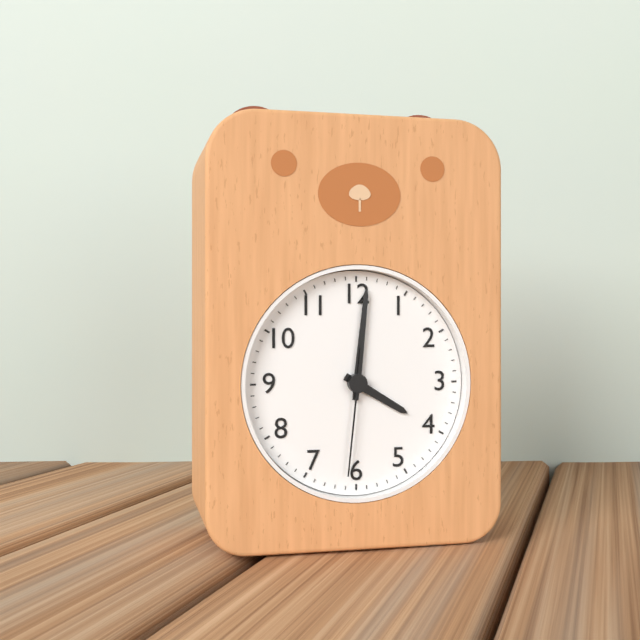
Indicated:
4 h 01 min 31 s
